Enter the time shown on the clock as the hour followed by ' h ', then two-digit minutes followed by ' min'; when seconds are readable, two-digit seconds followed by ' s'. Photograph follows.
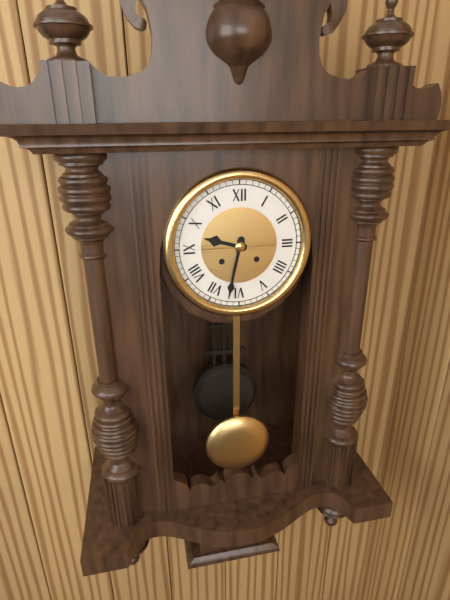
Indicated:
9 h 32 min
